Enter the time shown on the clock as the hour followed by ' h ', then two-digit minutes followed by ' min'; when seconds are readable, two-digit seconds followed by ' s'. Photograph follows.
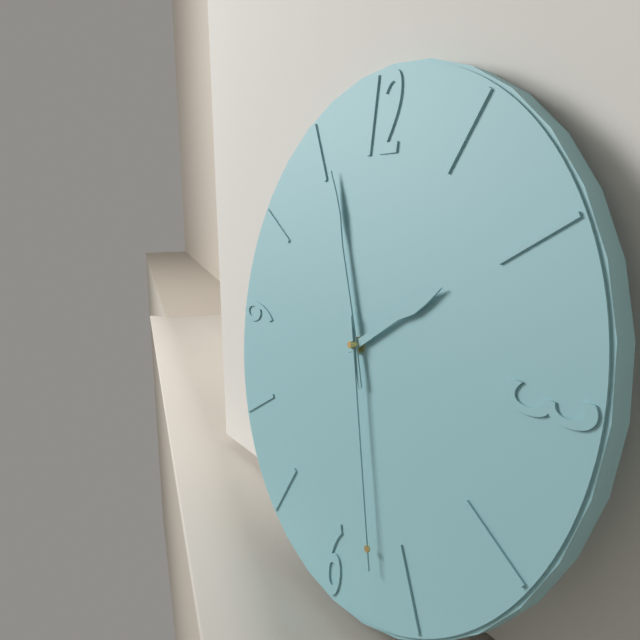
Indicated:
1 h 56 min 27 s
